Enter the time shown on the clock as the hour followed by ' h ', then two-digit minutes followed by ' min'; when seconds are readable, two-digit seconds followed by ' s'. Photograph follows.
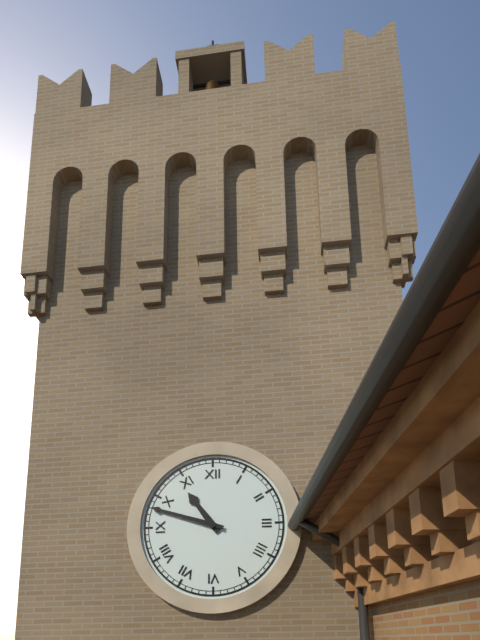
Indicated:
10 h 48 min
